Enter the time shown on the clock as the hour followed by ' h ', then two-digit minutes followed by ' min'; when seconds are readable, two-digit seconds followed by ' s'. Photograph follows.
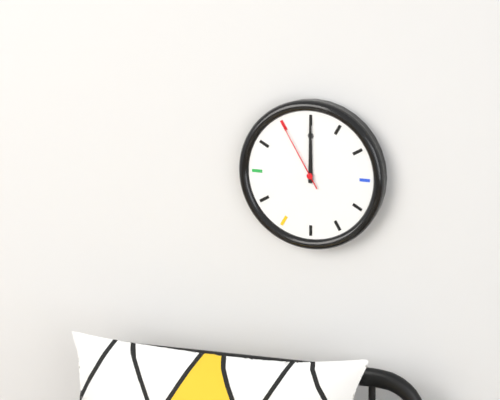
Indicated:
12 h 00 min 55 s
